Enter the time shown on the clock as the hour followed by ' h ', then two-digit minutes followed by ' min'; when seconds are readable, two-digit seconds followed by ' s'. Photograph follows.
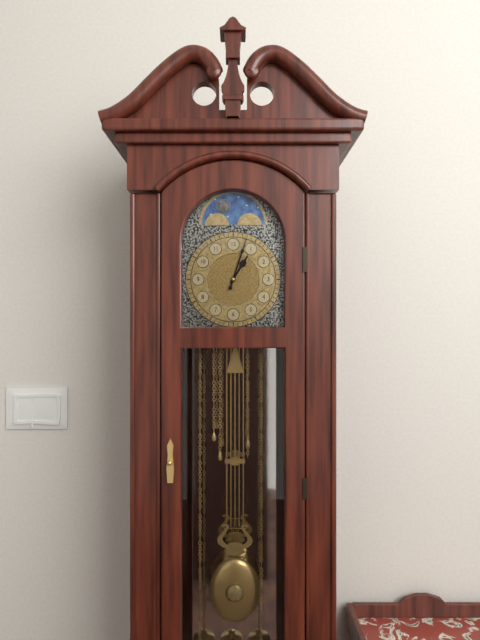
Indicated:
1 h 03 min
